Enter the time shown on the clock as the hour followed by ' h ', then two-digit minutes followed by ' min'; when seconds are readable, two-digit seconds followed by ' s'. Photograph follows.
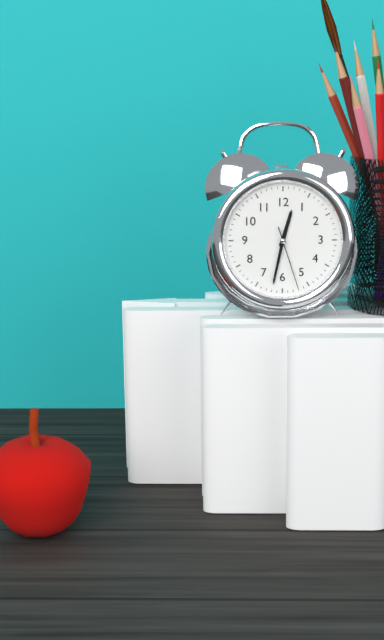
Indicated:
12 h 32 min 27 s
